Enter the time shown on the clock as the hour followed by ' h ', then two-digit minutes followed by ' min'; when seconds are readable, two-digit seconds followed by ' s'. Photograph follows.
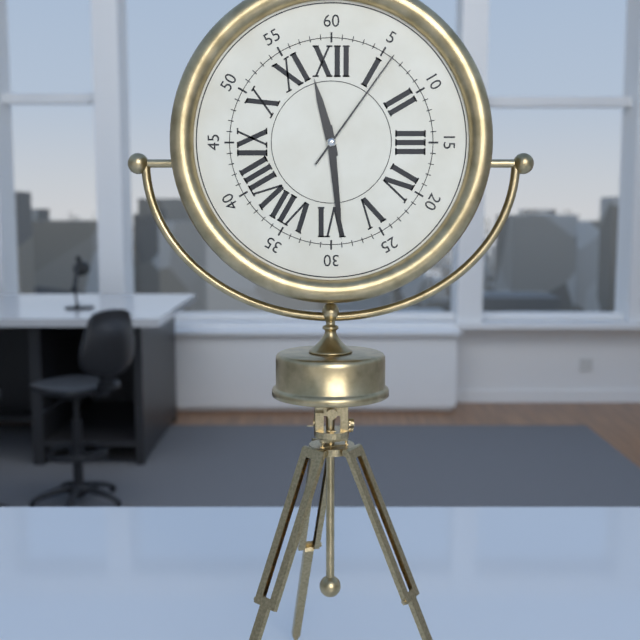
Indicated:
11 h 29 min 06 s
